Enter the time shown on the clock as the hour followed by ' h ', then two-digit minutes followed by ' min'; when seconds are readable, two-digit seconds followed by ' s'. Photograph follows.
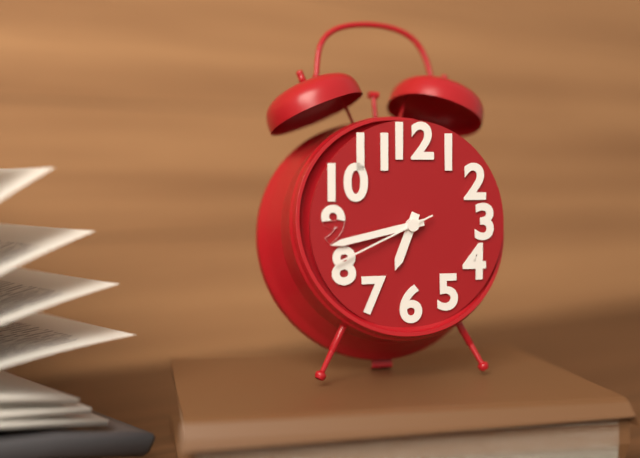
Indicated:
6 h 43 min 41 s
